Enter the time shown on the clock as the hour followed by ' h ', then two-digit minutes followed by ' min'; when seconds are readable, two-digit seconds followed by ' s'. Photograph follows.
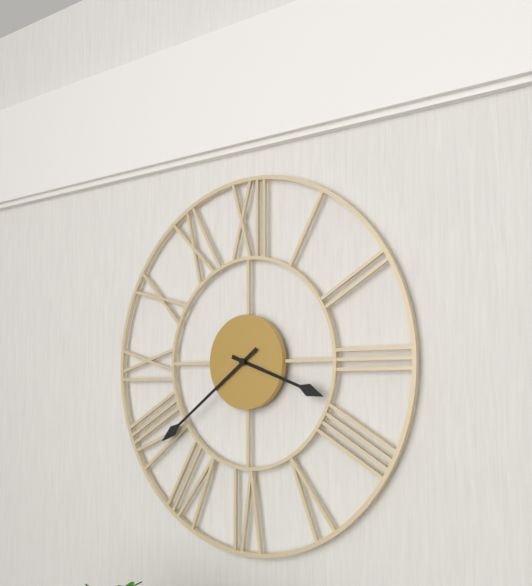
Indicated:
3 h 39 min
